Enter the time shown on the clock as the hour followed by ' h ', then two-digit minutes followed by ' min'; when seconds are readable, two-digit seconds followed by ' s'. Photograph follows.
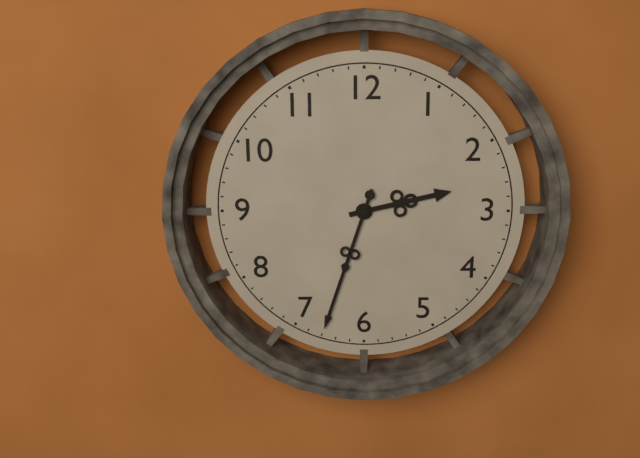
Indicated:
2 h 33 min
